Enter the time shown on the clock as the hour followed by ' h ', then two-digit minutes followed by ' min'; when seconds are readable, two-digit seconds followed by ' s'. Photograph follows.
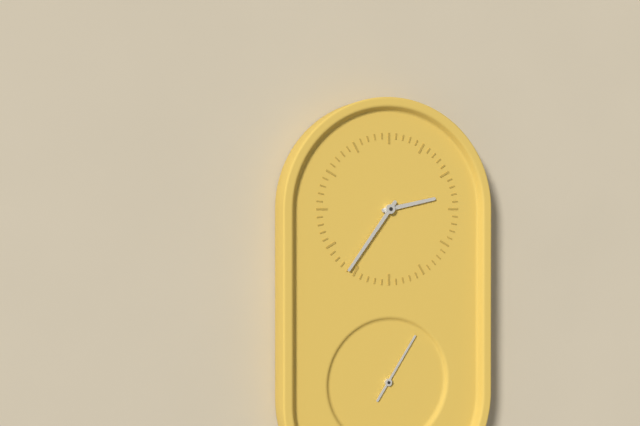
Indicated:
2 h 36 min
